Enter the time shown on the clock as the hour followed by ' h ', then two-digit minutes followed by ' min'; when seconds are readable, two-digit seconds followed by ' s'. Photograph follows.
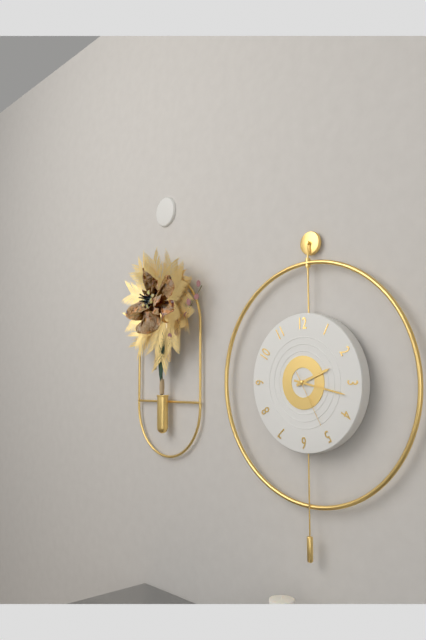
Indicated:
2 h 17 min 25 s
